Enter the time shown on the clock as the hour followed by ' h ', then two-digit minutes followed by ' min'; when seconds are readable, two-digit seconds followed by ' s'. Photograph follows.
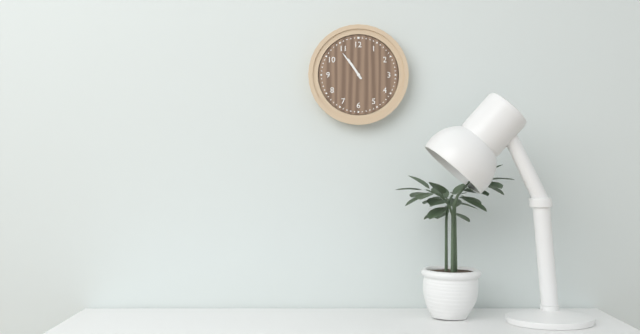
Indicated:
10 h 54 min
